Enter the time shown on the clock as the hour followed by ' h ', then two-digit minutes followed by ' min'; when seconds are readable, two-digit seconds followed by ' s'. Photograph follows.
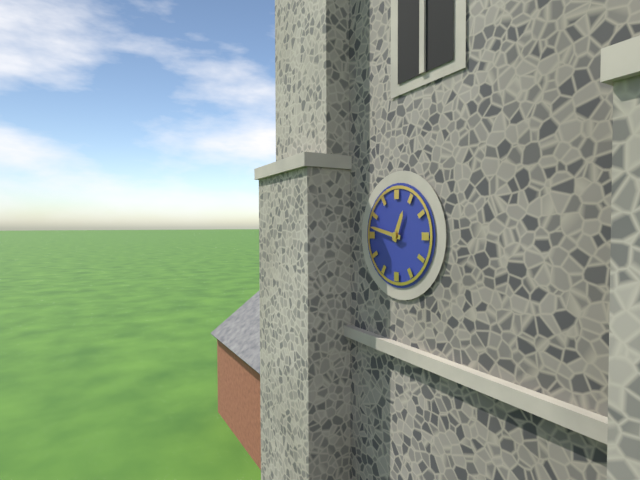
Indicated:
12 h 47 min
